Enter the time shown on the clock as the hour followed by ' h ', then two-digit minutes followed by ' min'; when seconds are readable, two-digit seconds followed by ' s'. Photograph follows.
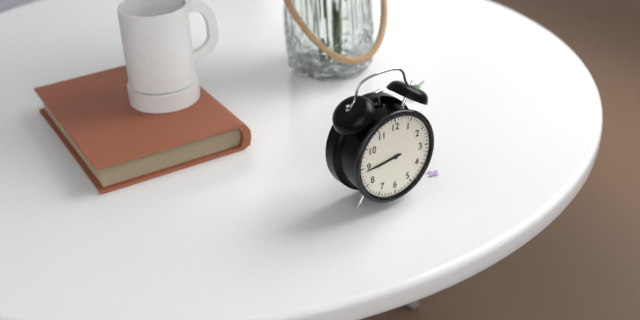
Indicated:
8 h 44 min
